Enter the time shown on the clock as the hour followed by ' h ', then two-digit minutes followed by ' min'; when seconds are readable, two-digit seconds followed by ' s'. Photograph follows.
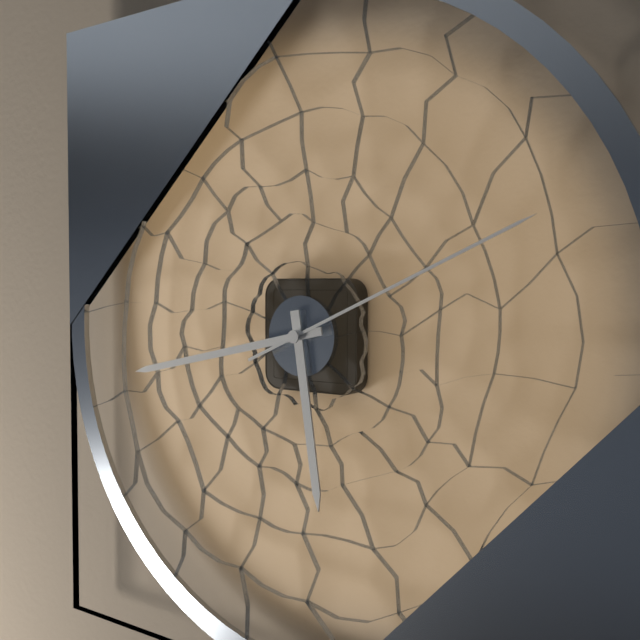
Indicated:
5 h 43 min 11 s
